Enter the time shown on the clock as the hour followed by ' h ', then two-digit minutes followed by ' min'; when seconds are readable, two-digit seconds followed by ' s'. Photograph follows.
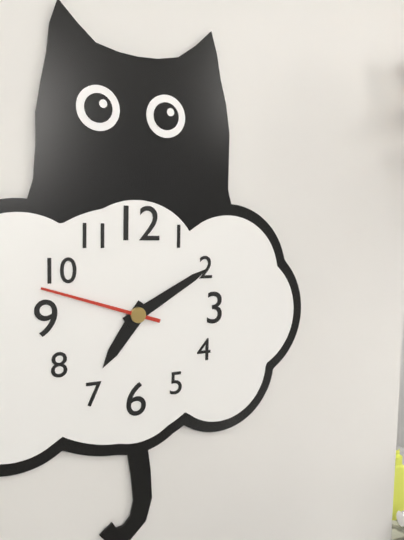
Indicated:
7 h 10 min 48 s
